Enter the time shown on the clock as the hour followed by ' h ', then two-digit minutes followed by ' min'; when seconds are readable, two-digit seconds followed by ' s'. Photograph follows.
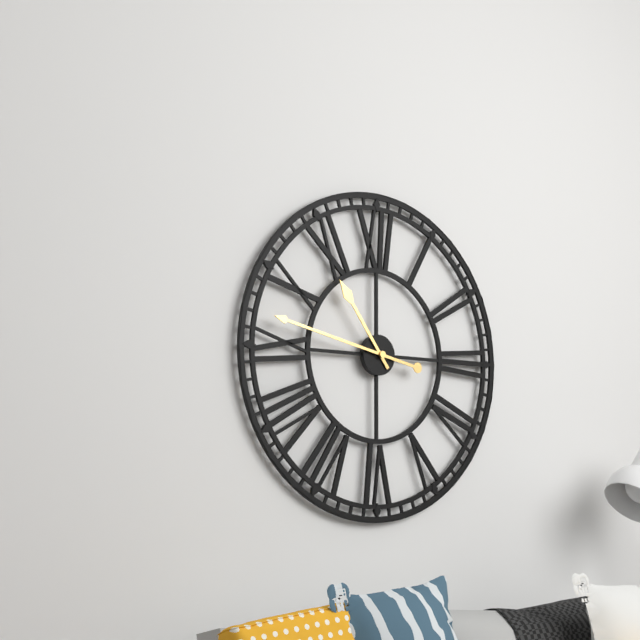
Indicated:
10 h 47 min
